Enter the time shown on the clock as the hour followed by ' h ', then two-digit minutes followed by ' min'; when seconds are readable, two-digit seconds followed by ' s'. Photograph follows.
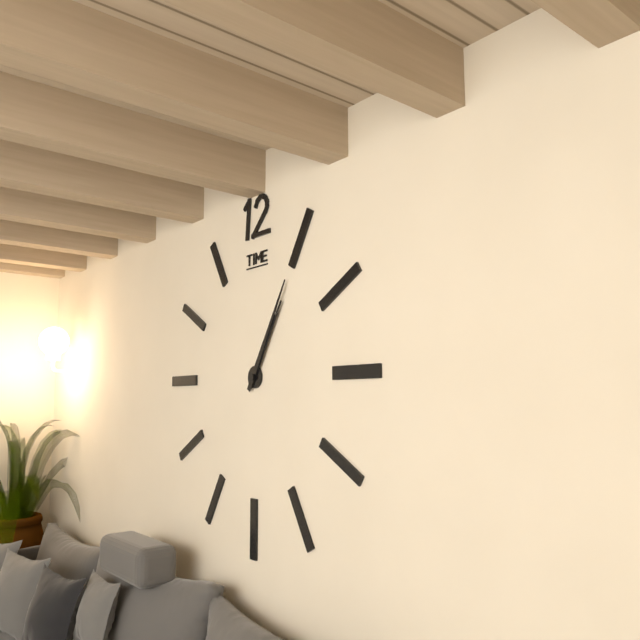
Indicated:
1 h 05 min
